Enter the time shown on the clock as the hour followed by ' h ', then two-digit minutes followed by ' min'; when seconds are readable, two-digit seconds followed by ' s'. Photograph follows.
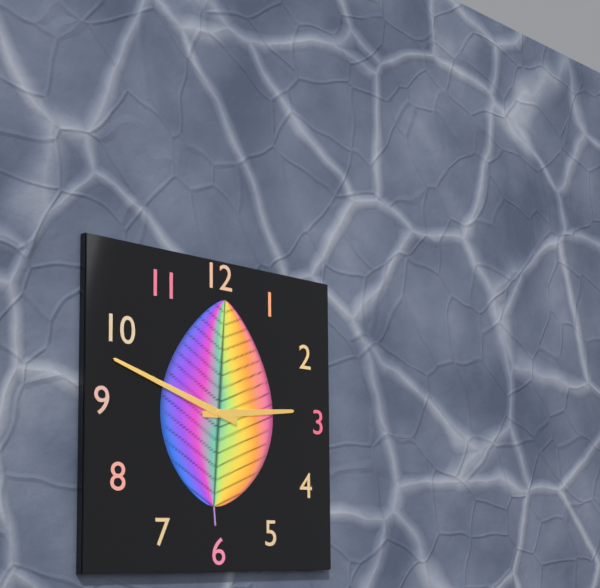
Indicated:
2 h 48 min
